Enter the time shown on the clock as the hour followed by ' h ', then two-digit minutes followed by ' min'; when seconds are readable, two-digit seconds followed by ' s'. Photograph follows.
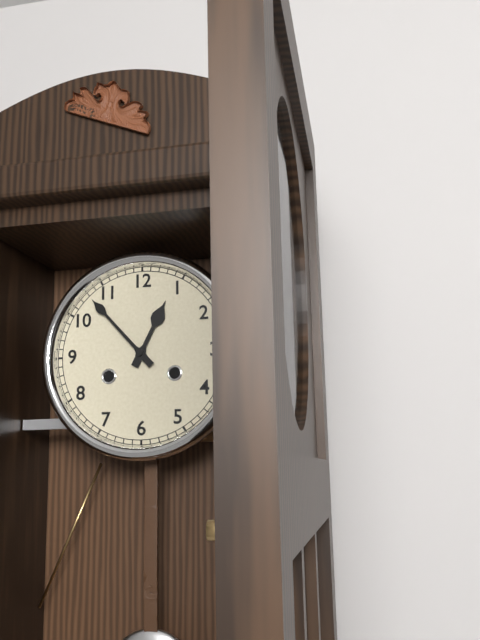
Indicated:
12 h 53 min
